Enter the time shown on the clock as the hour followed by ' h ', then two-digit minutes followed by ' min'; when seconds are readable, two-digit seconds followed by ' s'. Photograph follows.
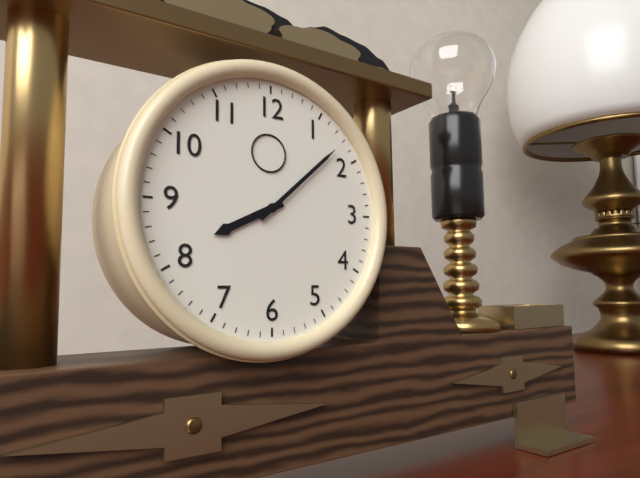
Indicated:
8 h 08 min
